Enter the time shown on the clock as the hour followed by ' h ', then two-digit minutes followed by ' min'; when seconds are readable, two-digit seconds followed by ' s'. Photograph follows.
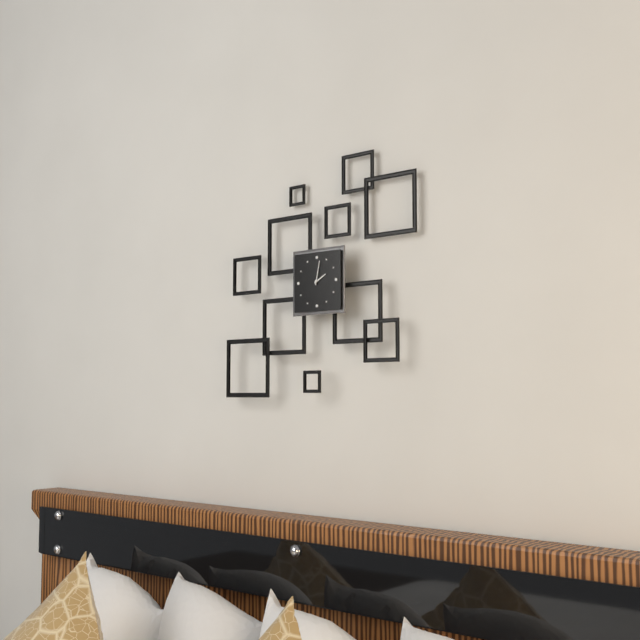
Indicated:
2 h 02 min
